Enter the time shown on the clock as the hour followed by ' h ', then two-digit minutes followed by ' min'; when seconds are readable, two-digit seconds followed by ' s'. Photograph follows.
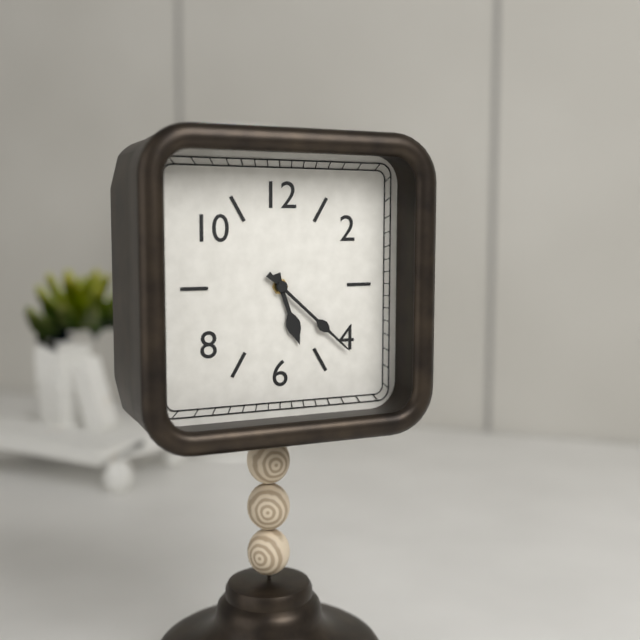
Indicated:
5 h 22 min
